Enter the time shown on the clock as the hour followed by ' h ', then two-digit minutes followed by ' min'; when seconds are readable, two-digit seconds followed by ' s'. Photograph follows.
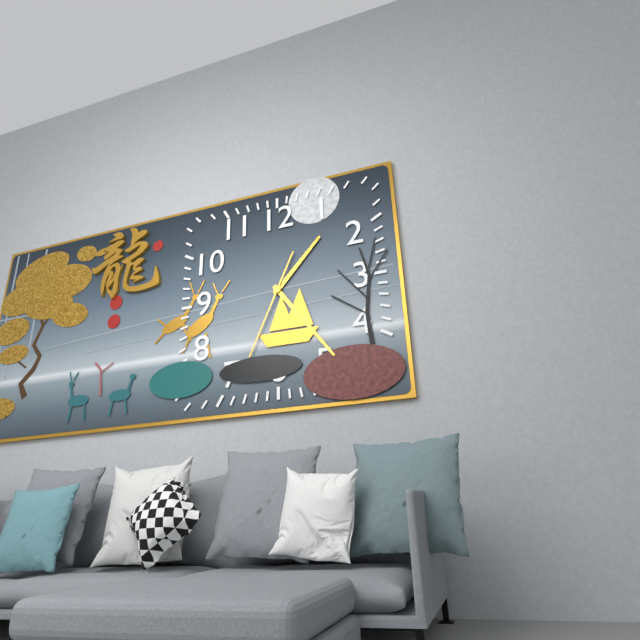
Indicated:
1 h 24 min 34 s
